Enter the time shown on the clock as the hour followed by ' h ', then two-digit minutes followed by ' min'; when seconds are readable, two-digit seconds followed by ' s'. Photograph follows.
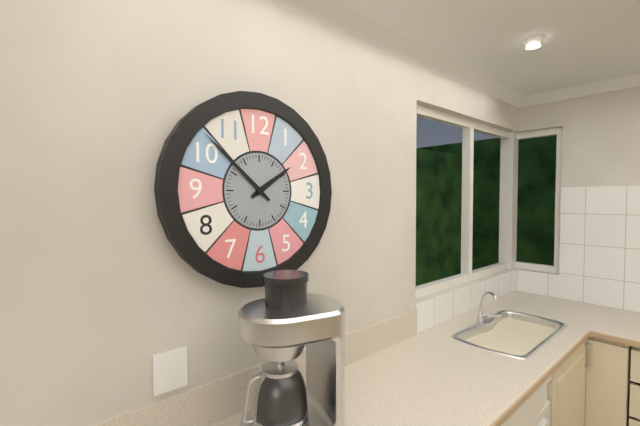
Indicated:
1 h 52 min
